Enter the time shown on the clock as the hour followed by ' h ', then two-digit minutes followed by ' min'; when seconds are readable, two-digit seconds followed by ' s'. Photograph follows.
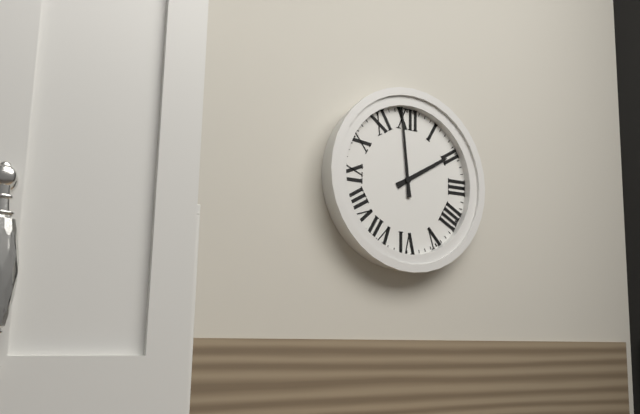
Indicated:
1 h 59 min
